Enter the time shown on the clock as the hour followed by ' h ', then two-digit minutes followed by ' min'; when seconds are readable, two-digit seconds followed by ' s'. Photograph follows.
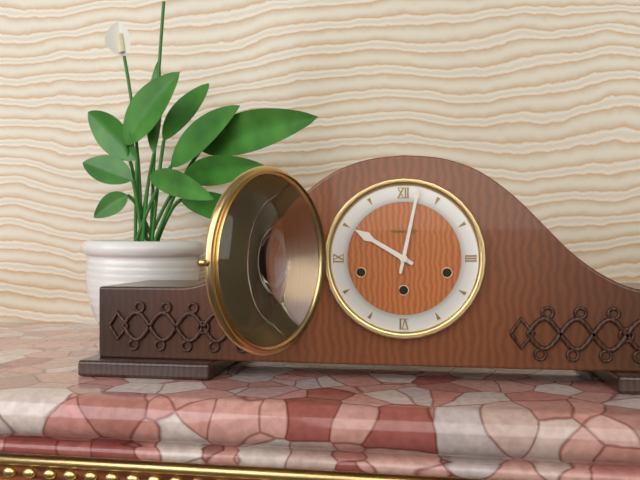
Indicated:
10 h 02 min
